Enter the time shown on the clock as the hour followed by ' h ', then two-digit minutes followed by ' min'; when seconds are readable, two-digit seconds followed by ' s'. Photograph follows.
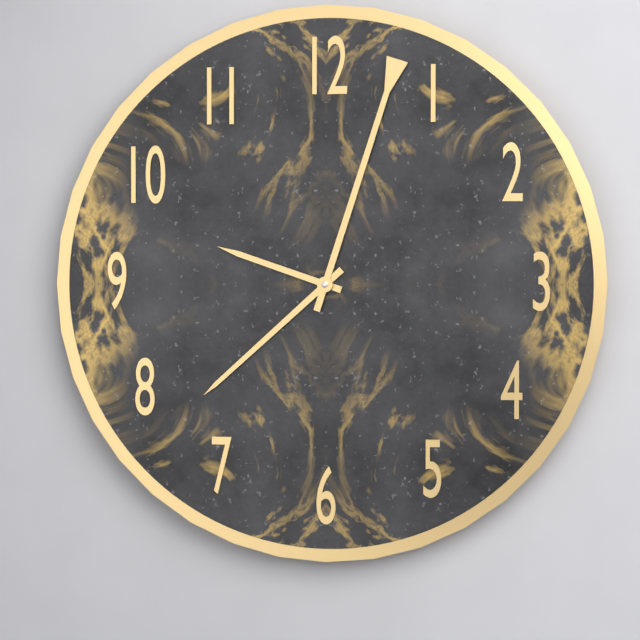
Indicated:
9 h 38 min 03 s
